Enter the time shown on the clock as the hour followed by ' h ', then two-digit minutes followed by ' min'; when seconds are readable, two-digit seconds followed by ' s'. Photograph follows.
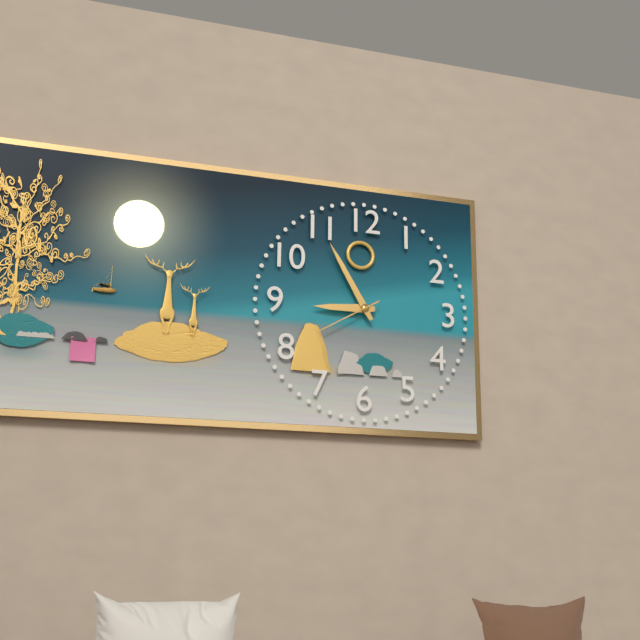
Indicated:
8 h 55 min 40 s
